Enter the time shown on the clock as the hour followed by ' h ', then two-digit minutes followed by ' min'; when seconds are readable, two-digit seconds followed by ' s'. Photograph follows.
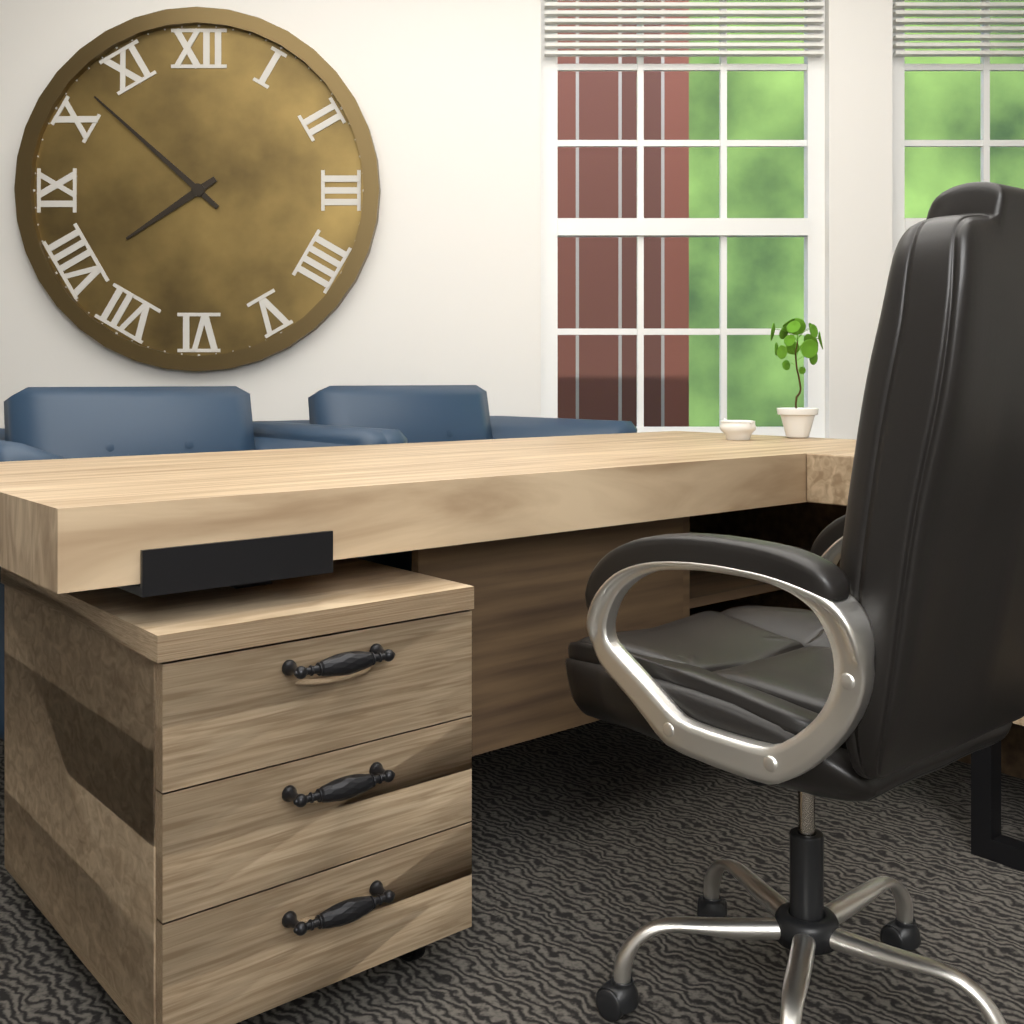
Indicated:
7 h 52 min
